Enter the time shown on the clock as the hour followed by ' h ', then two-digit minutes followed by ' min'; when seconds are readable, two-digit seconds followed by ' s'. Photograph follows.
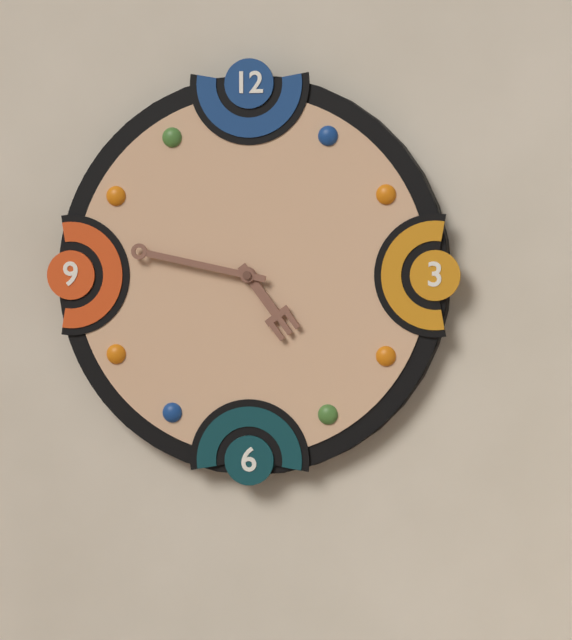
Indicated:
4 h 47 min
